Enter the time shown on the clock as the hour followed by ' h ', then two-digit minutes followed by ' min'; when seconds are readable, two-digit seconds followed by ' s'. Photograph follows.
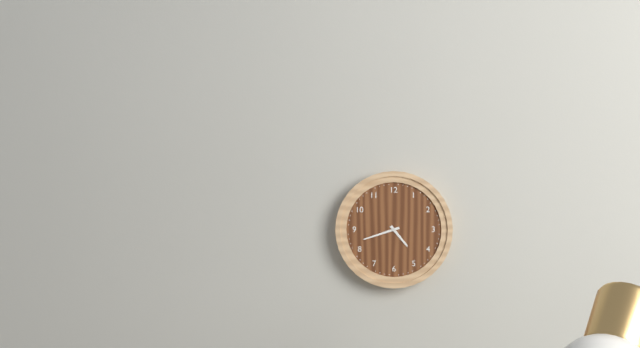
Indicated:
4 h 42 min
